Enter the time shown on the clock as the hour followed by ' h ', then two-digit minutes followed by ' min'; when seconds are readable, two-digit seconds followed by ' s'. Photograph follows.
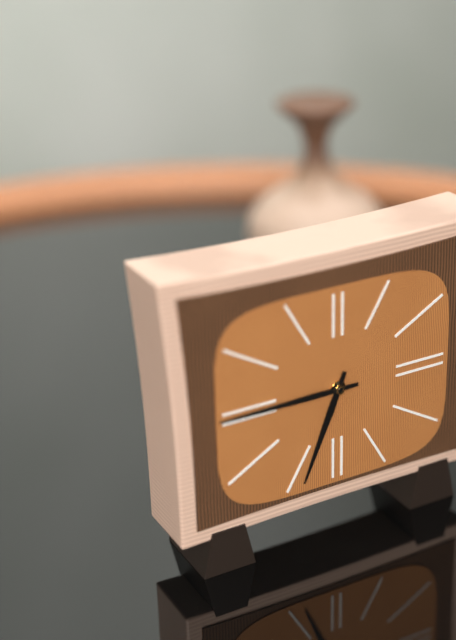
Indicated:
6 h 45 min
